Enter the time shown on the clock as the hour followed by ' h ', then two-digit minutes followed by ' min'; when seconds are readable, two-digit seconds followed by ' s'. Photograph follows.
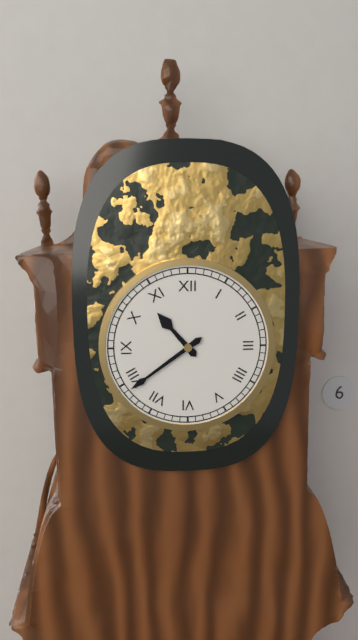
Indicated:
10 h 39 min
